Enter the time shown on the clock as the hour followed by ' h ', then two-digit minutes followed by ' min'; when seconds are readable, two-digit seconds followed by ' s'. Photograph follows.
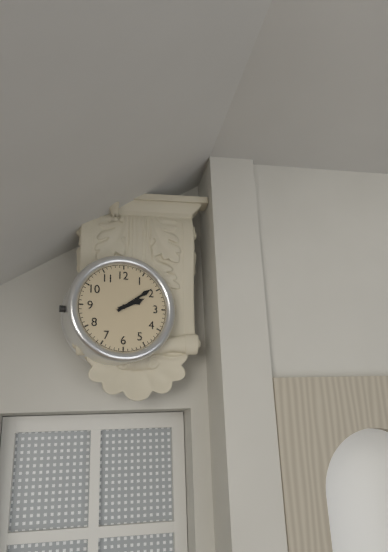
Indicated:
2 h 09 min
